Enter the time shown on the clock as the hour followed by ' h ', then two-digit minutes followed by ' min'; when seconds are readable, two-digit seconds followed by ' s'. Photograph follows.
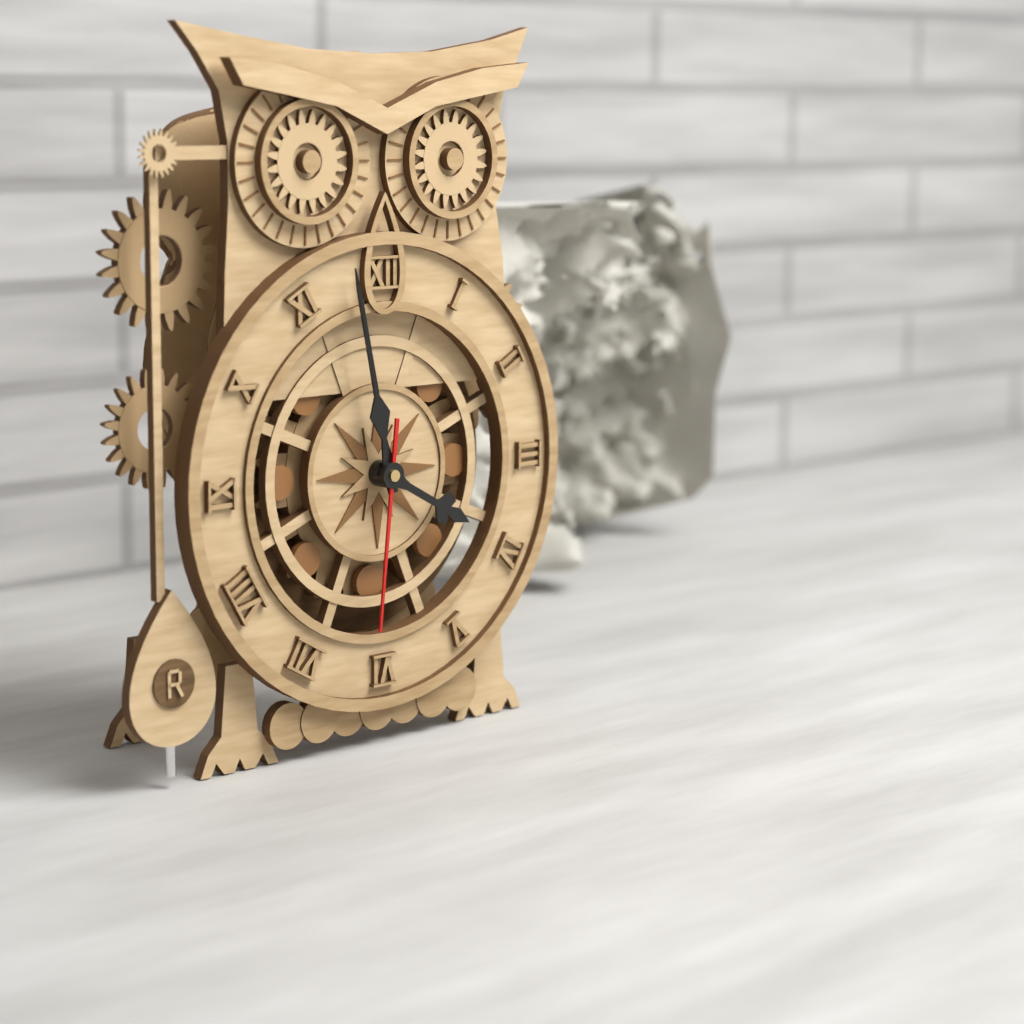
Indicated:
3 h 58 min 31 s
